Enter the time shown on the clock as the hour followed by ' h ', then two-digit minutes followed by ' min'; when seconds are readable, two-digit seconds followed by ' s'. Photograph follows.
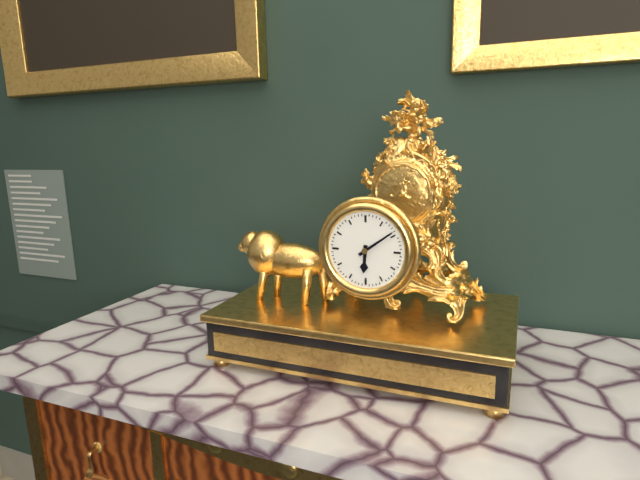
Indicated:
6 h 09 min
